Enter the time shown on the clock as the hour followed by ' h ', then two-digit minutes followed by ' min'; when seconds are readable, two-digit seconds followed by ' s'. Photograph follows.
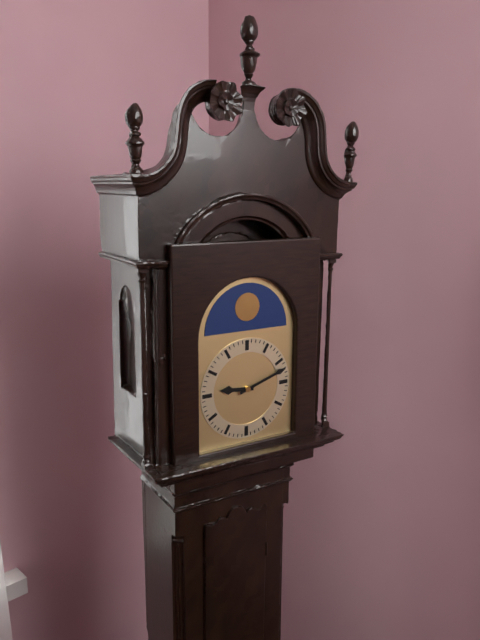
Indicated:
9 h 12 min
